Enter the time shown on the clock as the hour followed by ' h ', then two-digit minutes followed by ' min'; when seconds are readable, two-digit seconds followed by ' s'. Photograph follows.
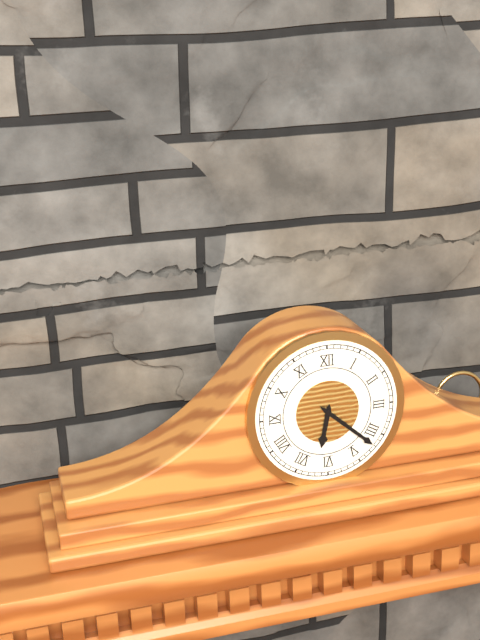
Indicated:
6 h 22 min
